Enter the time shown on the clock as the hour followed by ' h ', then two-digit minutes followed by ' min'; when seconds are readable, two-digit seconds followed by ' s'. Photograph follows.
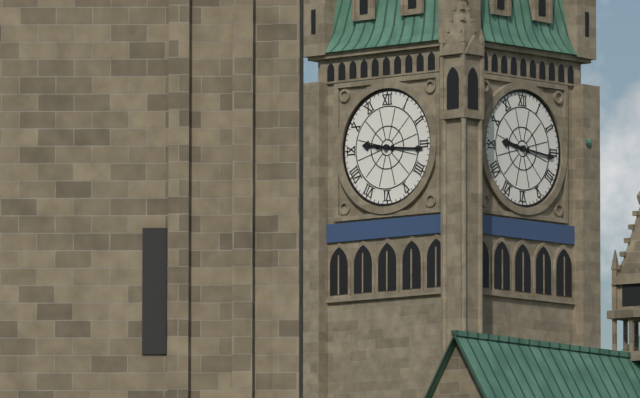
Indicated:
9 h 16 min
